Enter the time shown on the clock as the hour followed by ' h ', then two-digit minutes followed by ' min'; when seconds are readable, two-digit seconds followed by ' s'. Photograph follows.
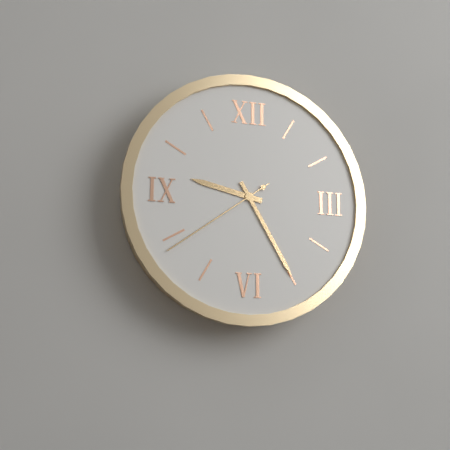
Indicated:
9 h 25 min 39 s
